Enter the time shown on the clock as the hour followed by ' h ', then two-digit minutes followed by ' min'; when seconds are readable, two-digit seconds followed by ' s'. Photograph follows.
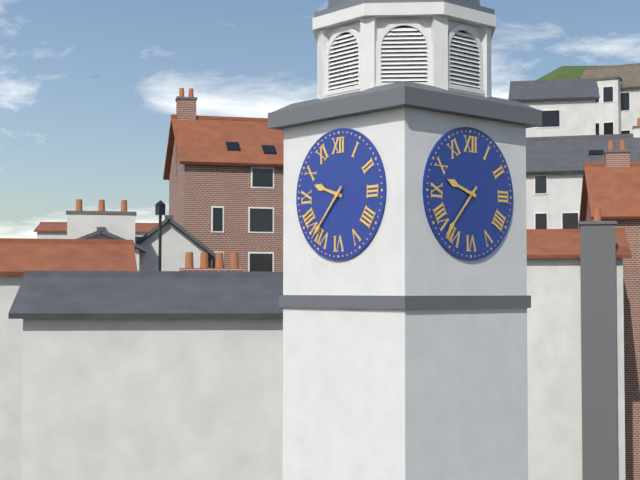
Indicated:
9 h 37 min
